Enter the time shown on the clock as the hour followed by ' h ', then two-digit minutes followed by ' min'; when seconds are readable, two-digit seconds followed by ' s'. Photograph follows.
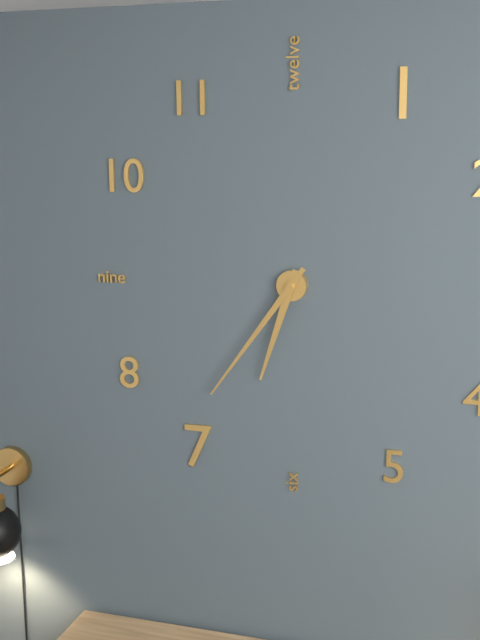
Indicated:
6 h 36 min
